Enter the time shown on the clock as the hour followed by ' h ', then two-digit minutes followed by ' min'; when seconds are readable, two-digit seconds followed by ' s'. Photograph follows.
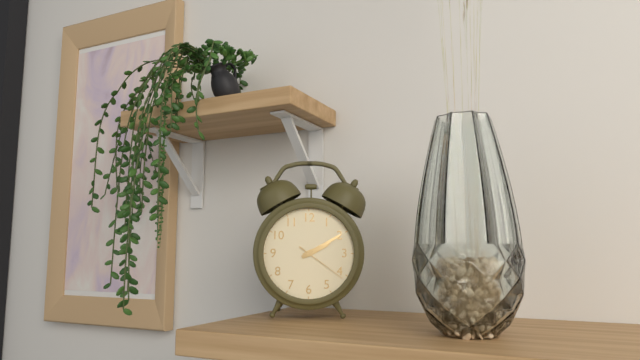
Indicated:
2 h 10 min 21 s
